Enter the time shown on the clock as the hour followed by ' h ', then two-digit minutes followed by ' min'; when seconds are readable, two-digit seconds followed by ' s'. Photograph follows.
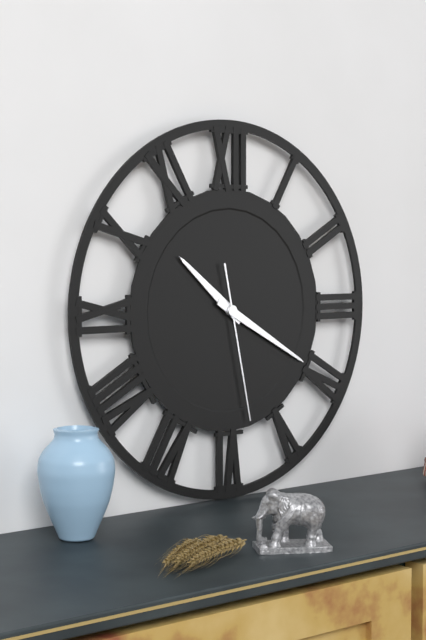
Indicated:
10 h 20 min 28 s
